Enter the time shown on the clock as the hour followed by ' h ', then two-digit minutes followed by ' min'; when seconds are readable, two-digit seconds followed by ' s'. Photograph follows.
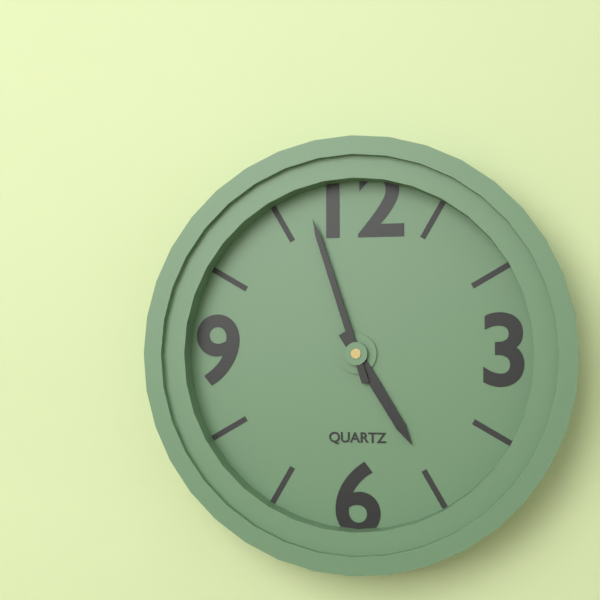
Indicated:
4 h 57 min
